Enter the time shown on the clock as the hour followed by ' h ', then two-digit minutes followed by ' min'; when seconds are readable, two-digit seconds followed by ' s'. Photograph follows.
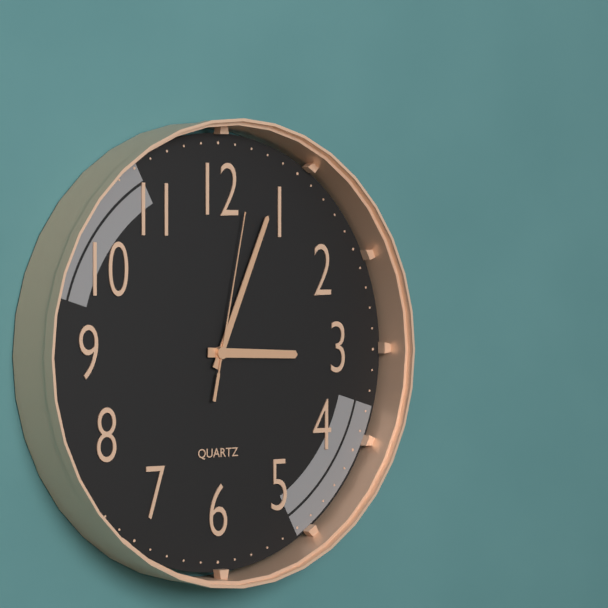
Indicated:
3 h 04 min 02 s
